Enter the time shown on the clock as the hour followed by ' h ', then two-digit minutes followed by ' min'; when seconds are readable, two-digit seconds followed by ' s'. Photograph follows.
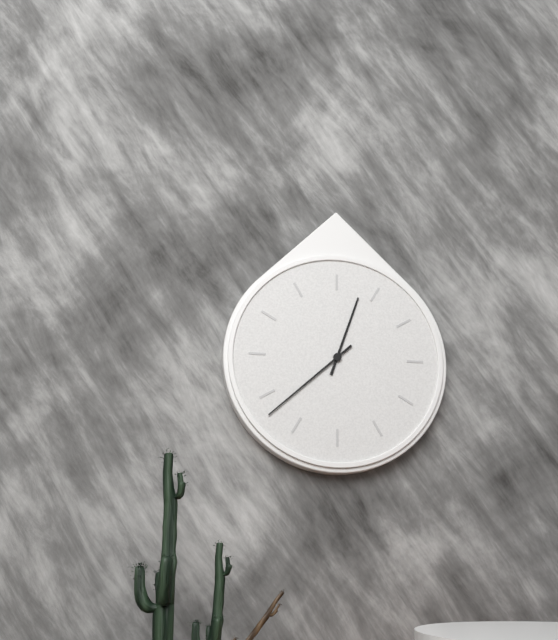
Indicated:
12 h 38 min
